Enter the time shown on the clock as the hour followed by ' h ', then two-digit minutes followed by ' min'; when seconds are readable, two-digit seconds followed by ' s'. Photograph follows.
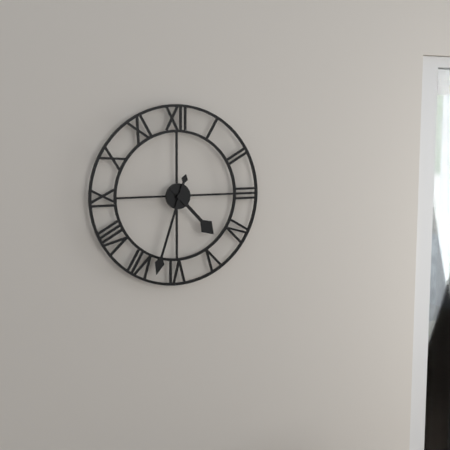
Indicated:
4 h 33 min
